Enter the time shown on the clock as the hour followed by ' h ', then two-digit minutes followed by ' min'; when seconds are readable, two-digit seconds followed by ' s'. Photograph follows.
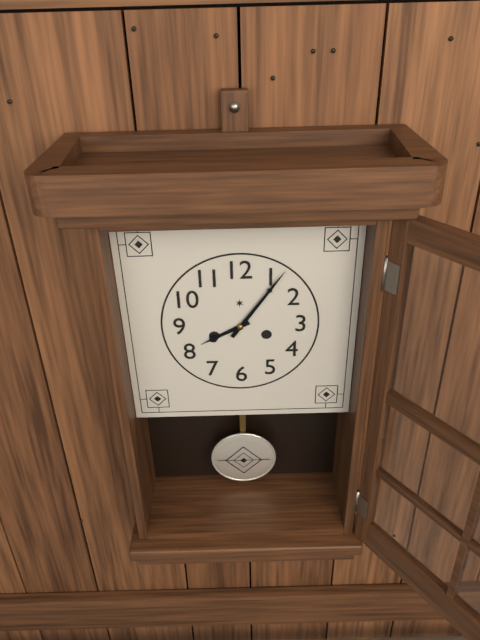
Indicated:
8 h 06 min
